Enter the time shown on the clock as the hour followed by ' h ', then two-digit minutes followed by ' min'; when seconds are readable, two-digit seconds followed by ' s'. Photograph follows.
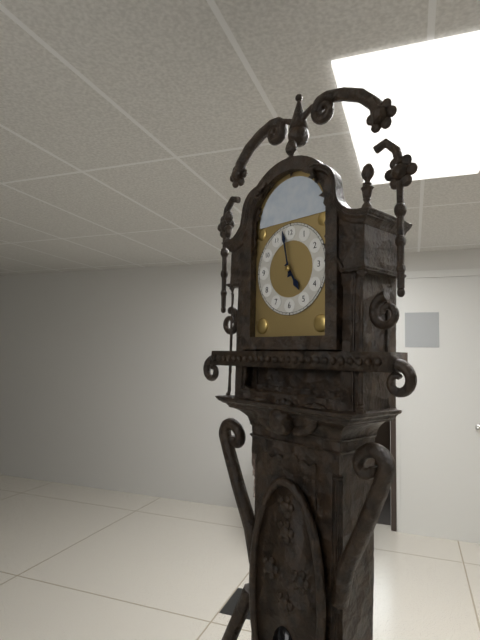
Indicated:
4 h 58 min
